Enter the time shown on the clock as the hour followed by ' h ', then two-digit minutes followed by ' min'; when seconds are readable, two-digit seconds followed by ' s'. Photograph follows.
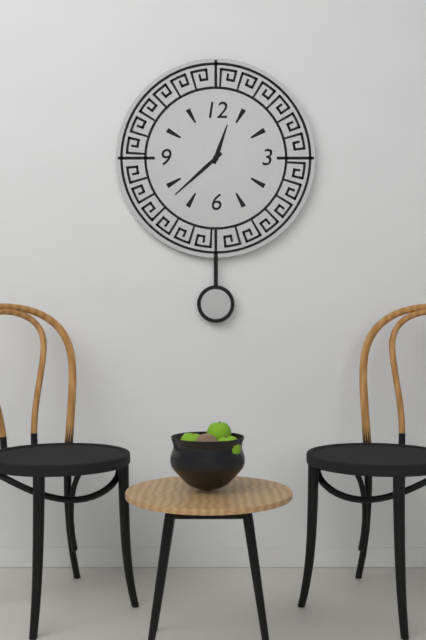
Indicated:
12 h 38 min
